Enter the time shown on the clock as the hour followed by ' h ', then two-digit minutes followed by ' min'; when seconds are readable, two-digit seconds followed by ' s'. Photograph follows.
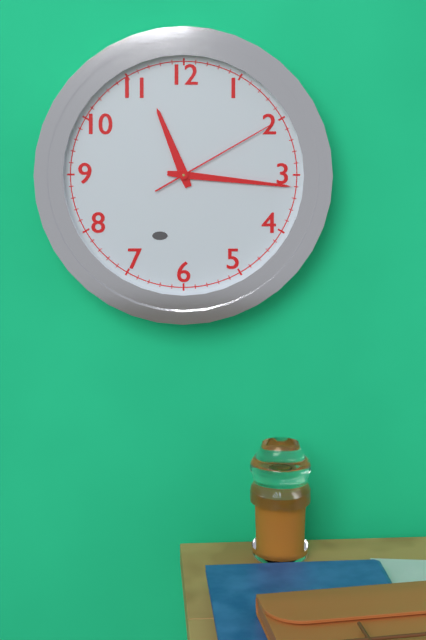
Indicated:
11 h 16 min 10 s
